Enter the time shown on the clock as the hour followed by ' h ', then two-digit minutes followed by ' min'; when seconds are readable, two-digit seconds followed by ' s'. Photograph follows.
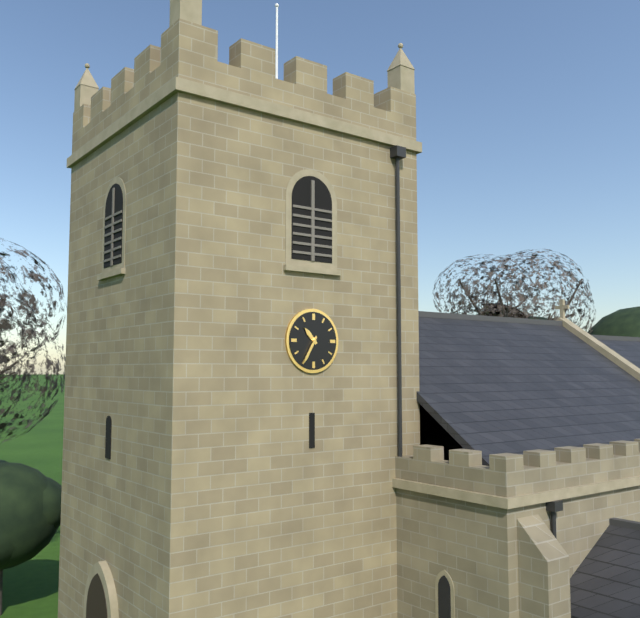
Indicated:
10 h 35 min
